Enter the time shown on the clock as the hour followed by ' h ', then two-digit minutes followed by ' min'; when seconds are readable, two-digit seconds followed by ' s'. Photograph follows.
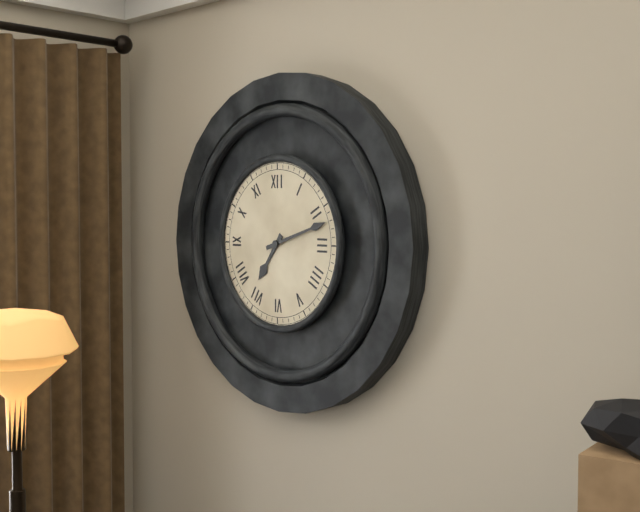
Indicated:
7 h 12 min
